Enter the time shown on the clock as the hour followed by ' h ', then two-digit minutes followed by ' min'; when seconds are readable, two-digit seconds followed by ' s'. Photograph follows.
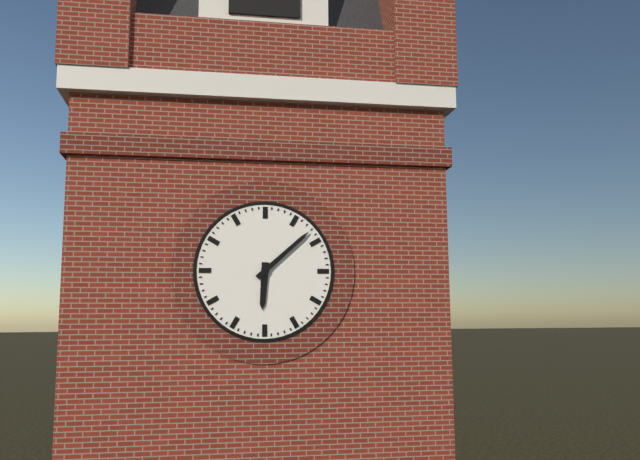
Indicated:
6 h 08 min
